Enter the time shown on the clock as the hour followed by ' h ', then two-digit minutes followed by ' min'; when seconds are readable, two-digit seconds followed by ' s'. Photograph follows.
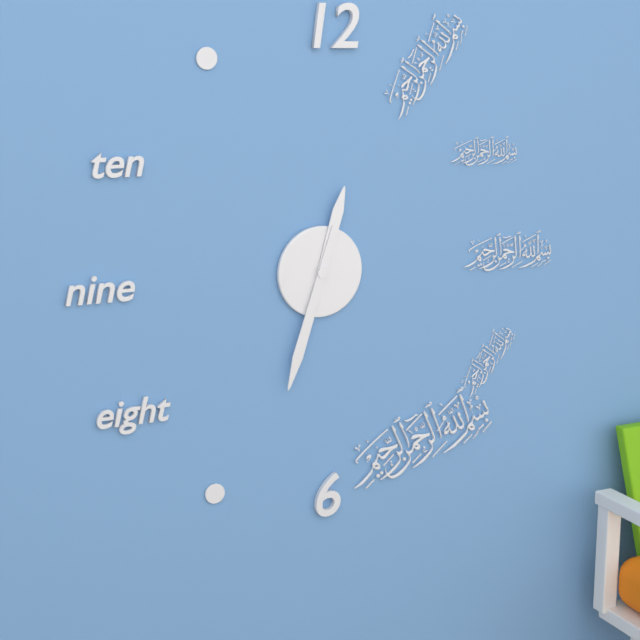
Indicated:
12 h 33 min
